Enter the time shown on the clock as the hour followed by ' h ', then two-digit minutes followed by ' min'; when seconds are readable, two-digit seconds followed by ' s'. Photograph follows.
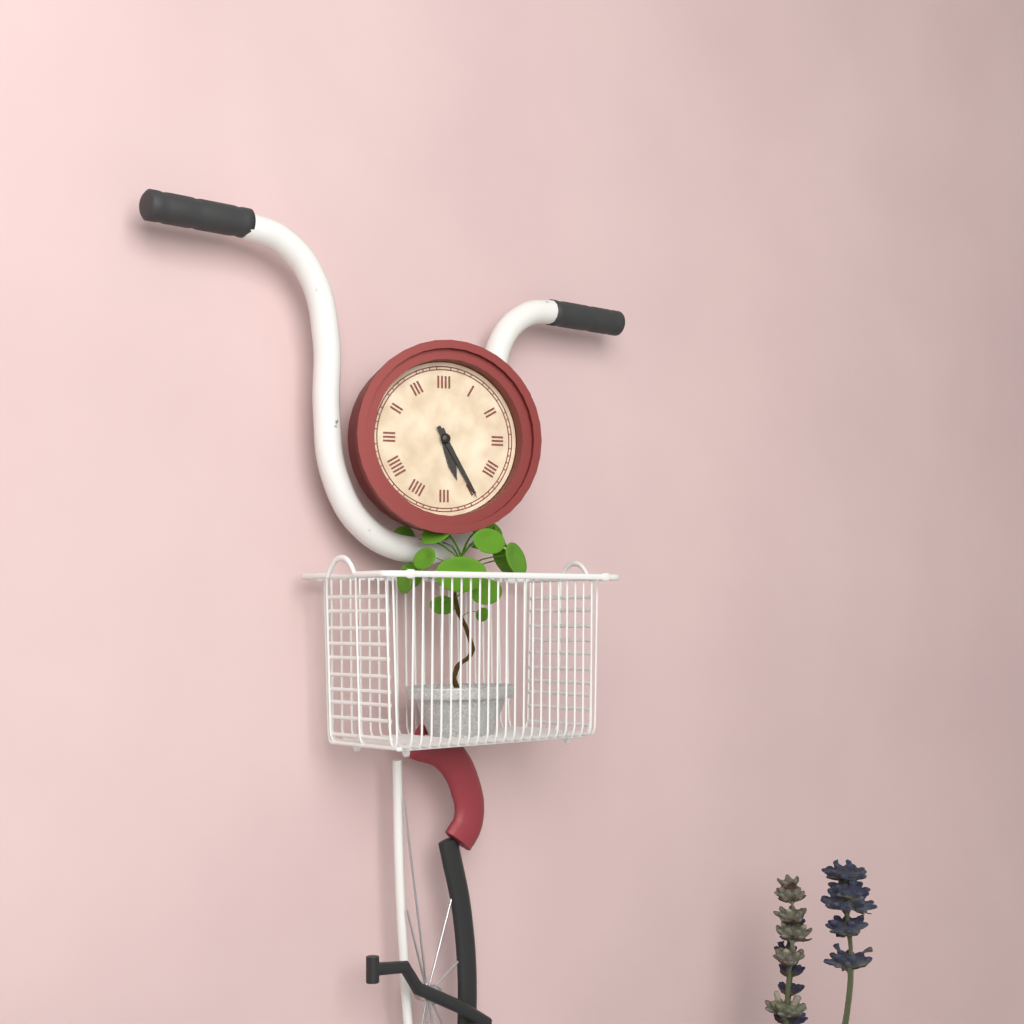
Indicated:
5 h 25 min
